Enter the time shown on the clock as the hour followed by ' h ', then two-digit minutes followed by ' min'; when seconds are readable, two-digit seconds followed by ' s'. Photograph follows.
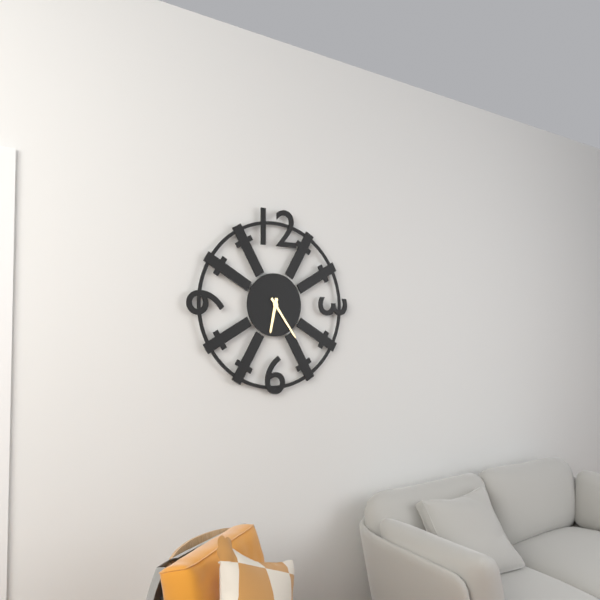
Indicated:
6 h 24 min
